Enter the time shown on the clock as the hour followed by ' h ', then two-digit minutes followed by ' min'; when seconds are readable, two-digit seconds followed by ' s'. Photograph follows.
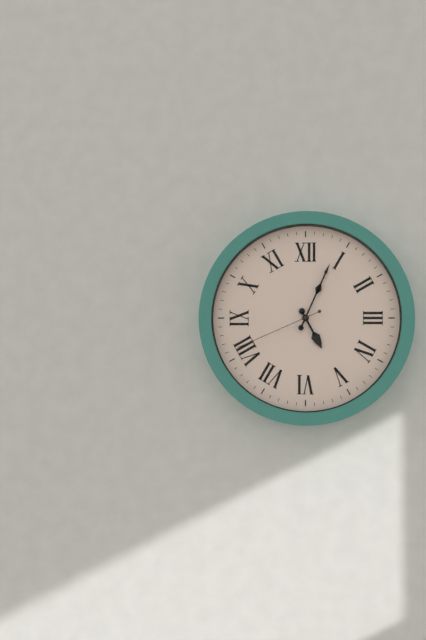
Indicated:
5 h 04 min 41 s
